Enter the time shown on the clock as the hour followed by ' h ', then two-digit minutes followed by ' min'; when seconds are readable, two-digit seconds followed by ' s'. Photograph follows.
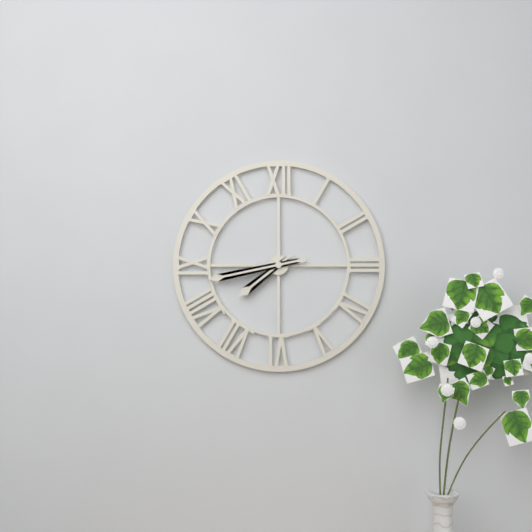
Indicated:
7 h 43 min
